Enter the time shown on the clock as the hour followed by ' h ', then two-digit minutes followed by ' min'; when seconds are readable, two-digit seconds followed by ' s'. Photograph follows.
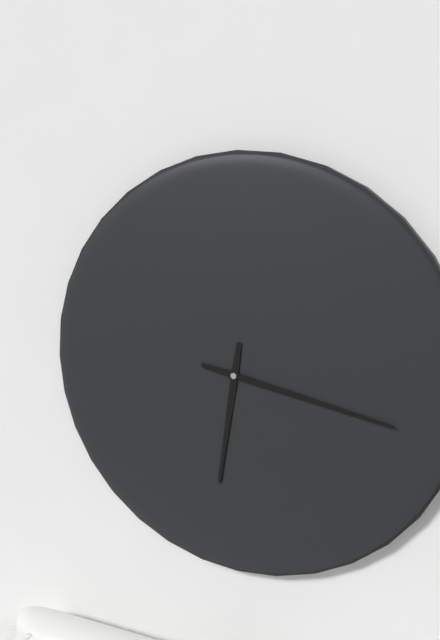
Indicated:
6 h 17 min
